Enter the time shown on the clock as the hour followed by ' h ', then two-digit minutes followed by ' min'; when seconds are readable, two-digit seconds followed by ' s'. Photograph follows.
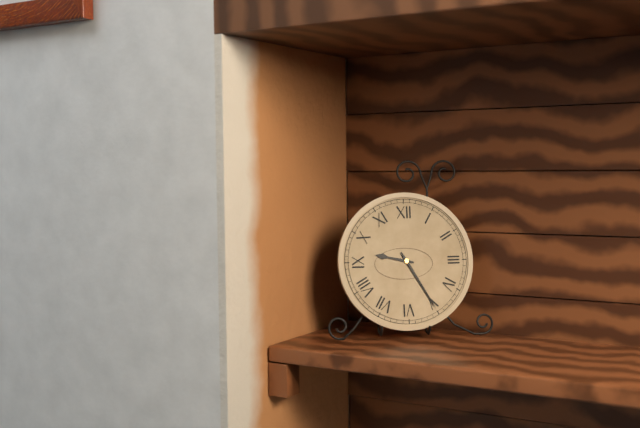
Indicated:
9 h 25 min
